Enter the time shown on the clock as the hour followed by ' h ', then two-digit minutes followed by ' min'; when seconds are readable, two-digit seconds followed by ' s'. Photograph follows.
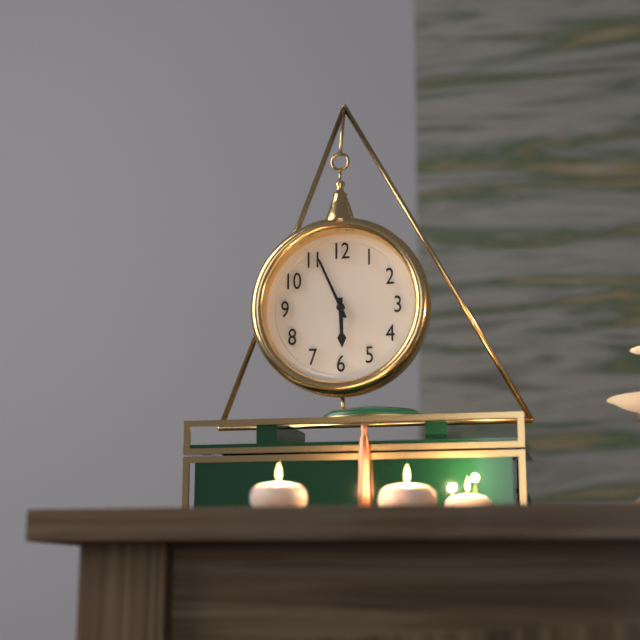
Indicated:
5 h 56 min
